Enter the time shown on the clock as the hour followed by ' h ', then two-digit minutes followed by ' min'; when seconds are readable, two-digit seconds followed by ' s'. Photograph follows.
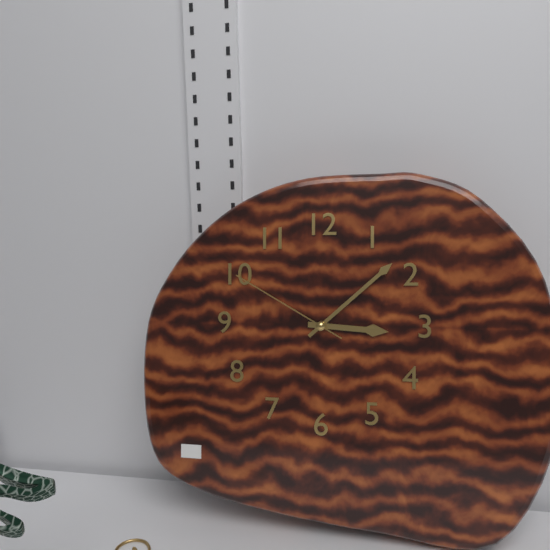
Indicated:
3 h 08 min 50 s
